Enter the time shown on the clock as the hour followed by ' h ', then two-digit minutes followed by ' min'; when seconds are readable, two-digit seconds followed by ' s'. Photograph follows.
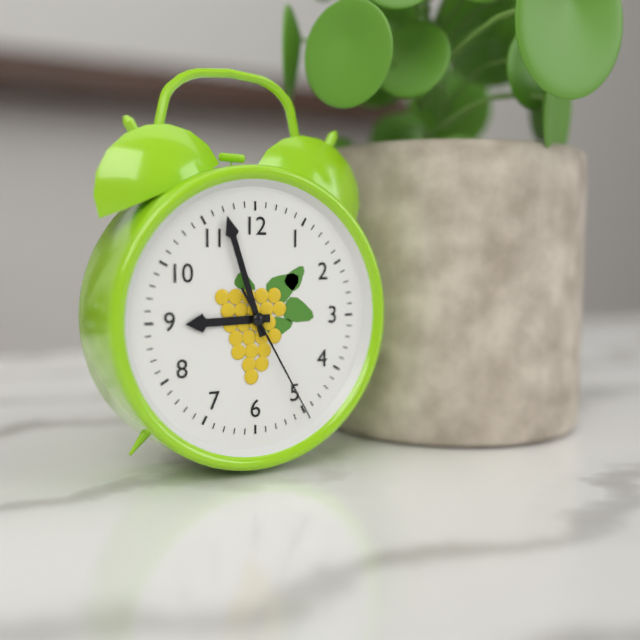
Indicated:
8 h 57 min 25 s
